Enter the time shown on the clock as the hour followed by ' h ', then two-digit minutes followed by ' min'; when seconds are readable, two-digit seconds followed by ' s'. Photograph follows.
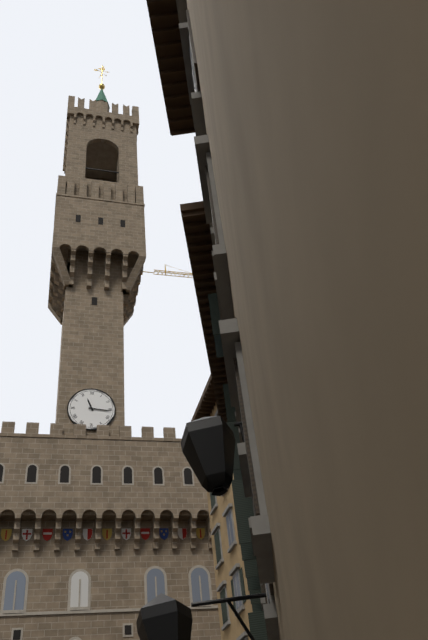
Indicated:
11 h 16 min
